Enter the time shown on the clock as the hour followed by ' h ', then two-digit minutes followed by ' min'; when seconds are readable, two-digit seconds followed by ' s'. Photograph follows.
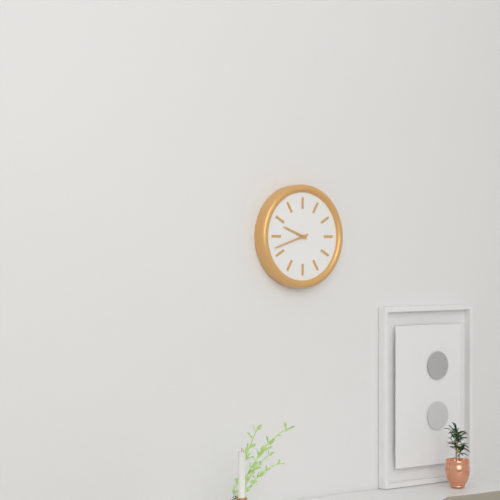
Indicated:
9 h 42 min
